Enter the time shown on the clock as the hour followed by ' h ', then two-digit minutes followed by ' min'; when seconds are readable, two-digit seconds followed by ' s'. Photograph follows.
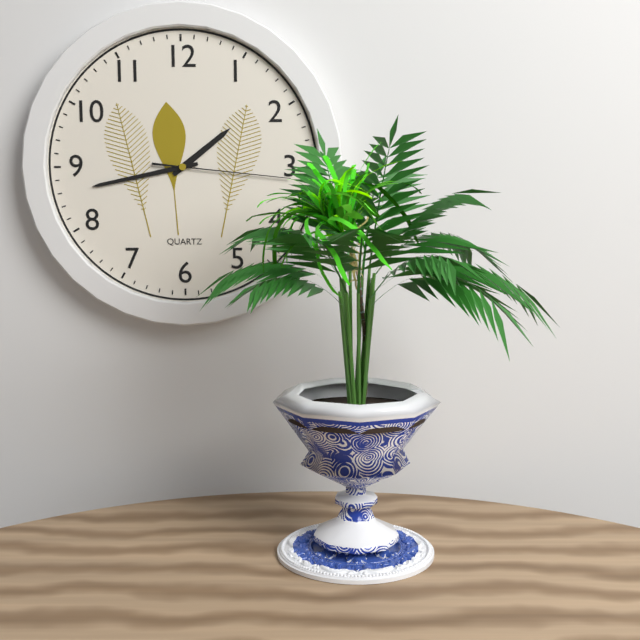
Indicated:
1 h 43 min 16 s
